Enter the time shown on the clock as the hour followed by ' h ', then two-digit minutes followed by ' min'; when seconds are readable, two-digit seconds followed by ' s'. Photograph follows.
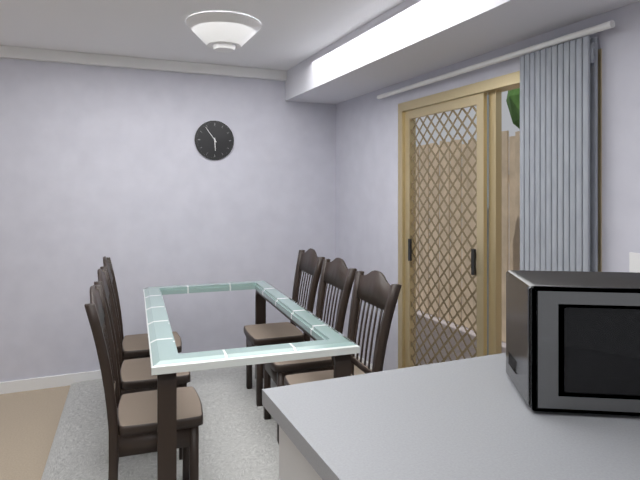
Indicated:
5 h 54 min
